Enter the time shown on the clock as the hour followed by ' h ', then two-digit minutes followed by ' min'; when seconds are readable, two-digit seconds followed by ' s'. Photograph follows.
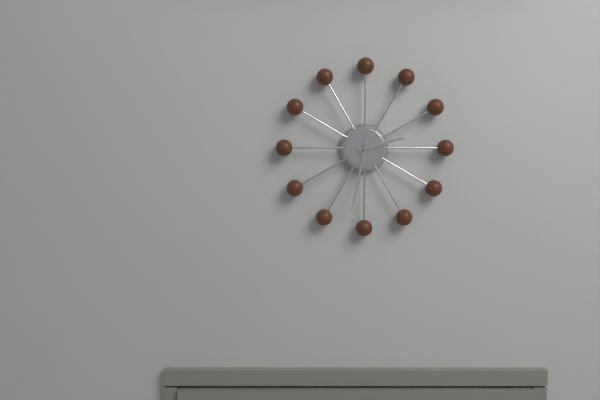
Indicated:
2 h 32 min
